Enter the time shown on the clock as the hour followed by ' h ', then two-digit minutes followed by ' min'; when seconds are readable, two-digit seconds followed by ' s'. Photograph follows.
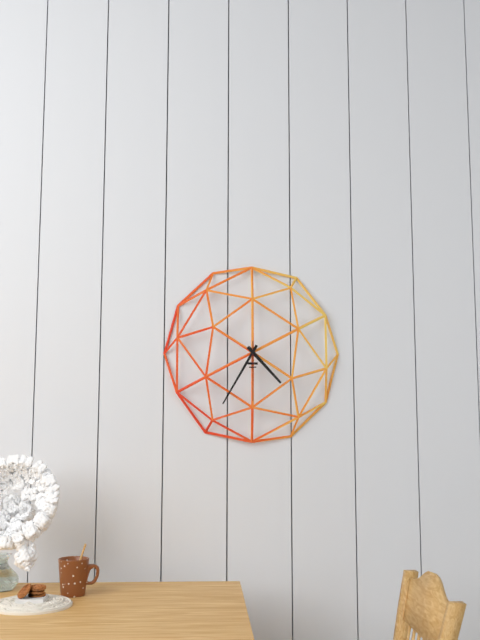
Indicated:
4 h 35 min 30 s
